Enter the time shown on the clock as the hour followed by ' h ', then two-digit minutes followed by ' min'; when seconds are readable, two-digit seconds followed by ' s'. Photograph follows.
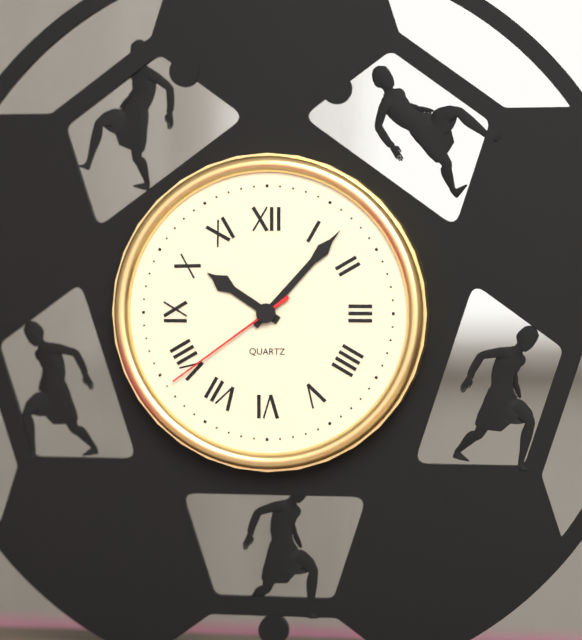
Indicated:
10 h 07 min 39 s
